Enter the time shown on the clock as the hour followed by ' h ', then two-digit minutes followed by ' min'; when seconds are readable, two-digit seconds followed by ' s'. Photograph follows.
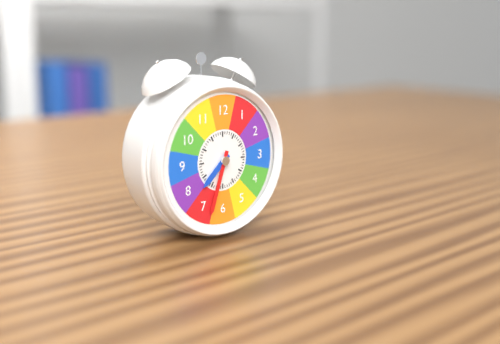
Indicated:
7 h 33 min
